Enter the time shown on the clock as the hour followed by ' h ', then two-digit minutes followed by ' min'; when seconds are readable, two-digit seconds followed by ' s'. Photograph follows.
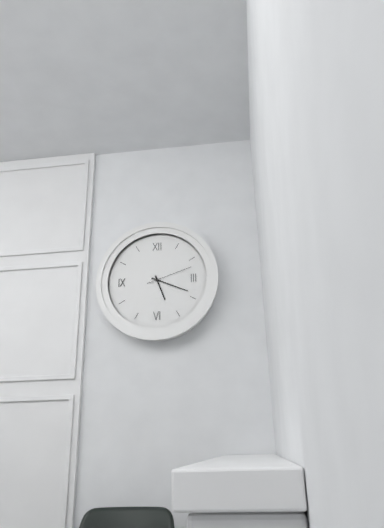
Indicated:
5 h 19 min
